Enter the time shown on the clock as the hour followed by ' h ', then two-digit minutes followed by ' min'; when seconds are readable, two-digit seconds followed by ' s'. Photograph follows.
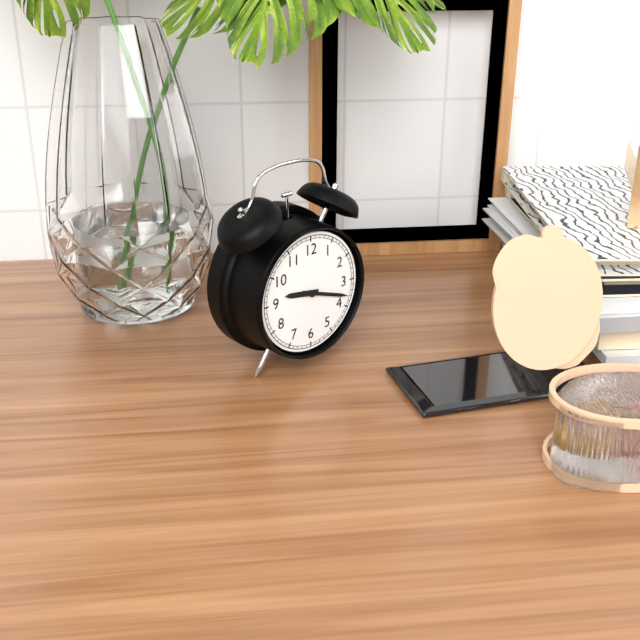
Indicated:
9 h 18 min
